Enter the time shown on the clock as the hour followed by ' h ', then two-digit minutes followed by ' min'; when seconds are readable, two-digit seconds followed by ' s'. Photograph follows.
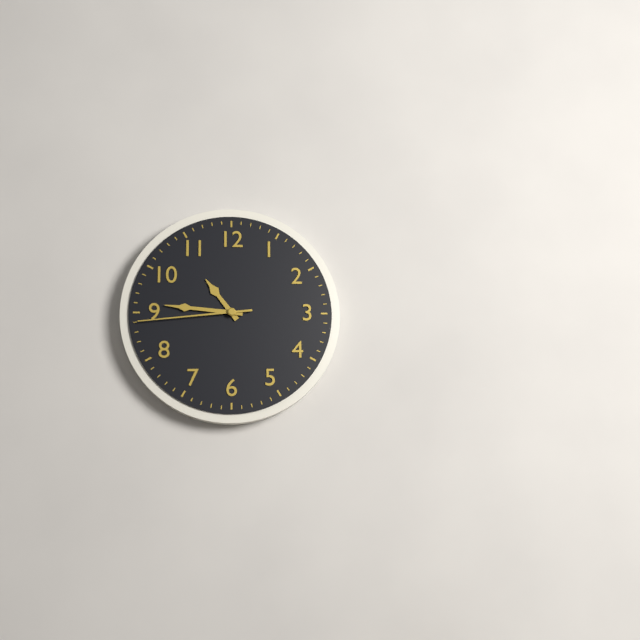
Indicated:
10 h 46 min 44 s
